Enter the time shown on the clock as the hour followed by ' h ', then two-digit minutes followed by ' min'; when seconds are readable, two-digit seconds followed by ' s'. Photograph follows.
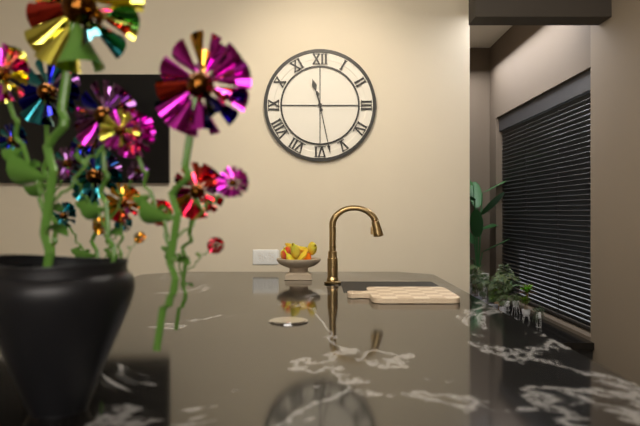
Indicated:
11 h 28 min
